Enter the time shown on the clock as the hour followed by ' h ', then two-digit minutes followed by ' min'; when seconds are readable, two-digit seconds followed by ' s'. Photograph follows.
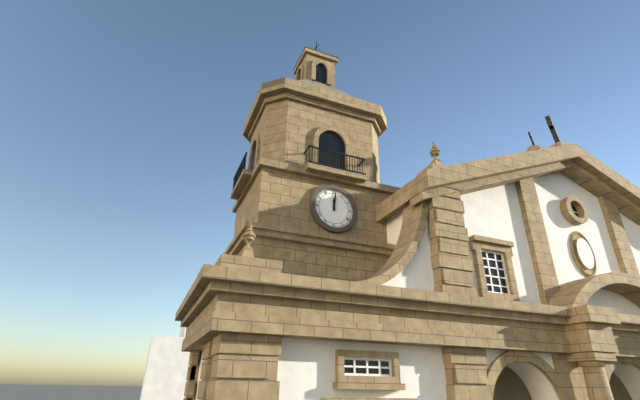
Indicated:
12 h 01 min
